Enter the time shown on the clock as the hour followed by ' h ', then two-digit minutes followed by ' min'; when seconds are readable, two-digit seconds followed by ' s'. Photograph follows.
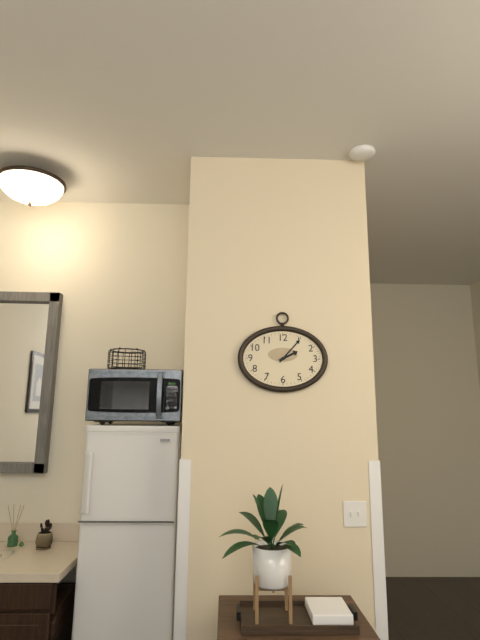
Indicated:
2 h 07 min
